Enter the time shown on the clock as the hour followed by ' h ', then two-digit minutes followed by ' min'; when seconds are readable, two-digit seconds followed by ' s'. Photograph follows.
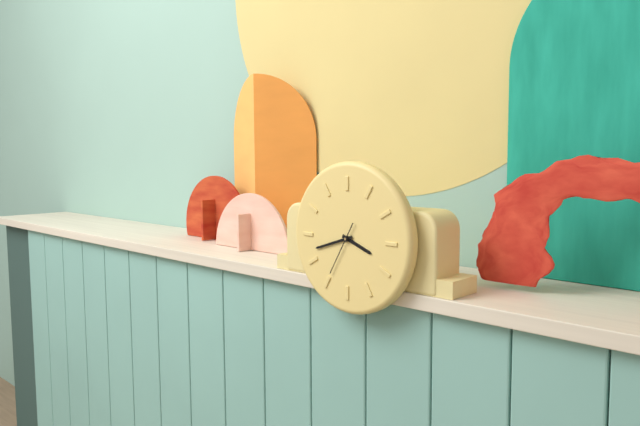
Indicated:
3 h 42 min
